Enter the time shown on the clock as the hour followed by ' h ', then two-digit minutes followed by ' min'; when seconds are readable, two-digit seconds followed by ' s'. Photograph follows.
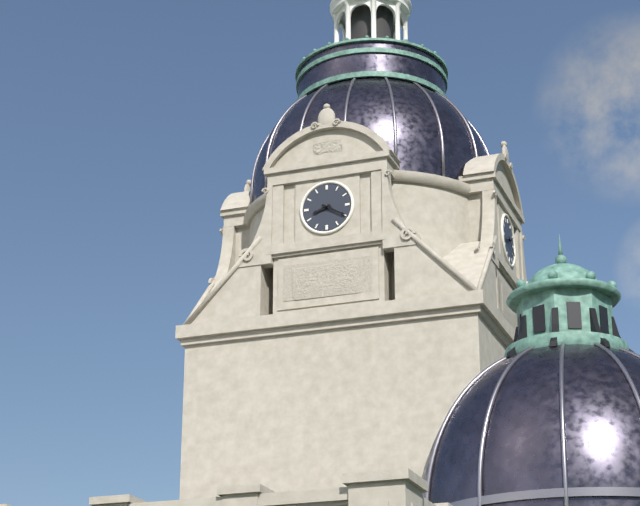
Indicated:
8 h 20 min
